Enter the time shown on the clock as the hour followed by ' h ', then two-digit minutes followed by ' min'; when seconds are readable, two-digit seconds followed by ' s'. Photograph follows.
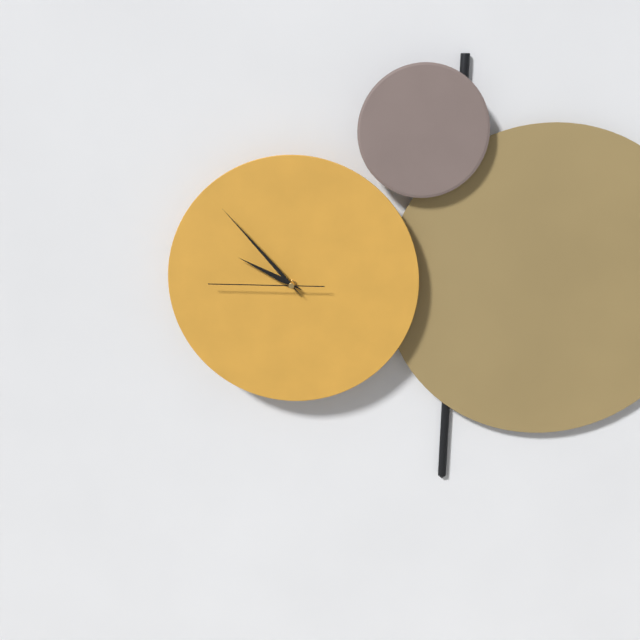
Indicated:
9 h 53 min 45 s
